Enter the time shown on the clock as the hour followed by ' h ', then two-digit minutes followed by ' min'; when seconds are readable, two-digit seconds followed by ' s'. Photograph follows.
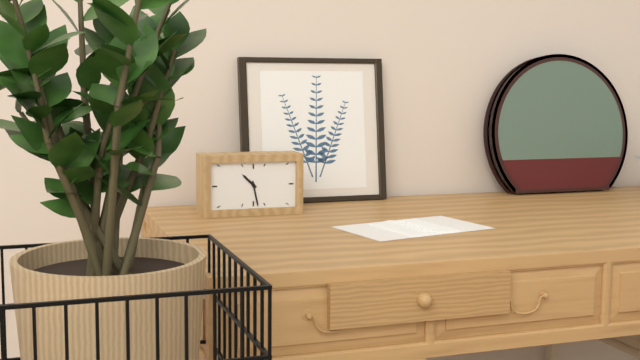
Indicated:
10 h 28 min
